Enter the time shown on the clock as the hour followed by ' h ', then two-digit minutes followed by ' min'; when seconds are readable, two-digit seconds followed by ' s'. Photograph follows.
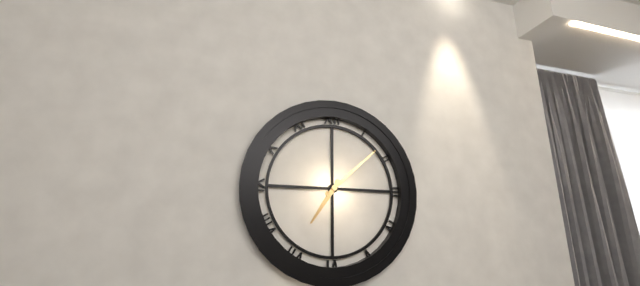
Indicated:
7 h 08 min
